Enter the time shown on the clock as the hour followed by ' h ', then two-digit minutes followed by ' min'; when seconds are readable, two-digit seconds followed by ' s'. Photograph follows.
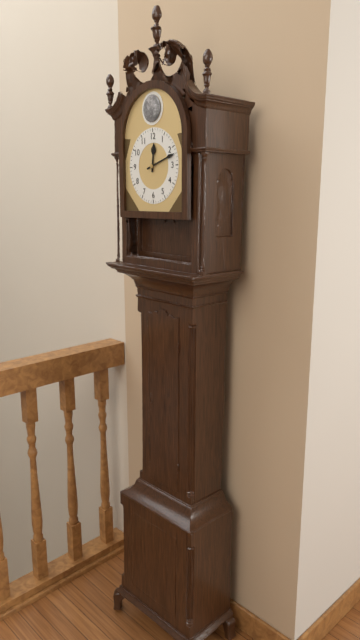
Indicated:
12 h 12 min
